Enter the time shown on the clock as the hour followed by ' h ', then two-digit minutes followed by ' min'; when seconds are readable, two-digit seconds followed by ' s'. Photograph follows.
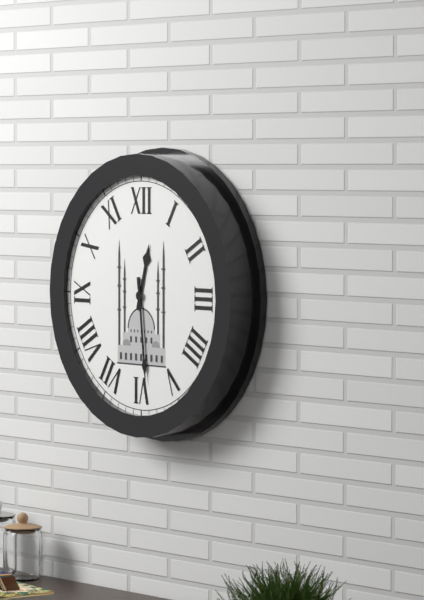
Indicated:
12 h 29 min
